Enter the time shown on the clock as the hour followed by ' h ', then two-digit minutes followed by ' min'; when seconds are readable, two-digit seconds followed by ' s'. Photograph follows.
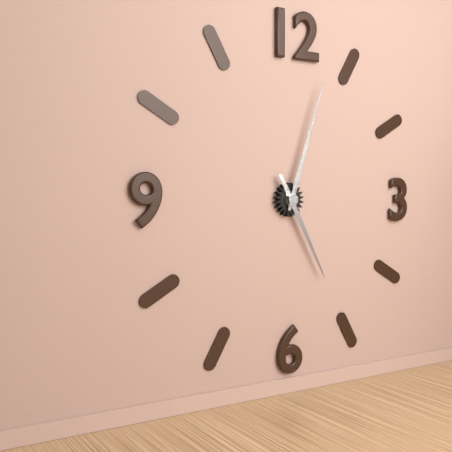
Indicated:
5 h 03 min
